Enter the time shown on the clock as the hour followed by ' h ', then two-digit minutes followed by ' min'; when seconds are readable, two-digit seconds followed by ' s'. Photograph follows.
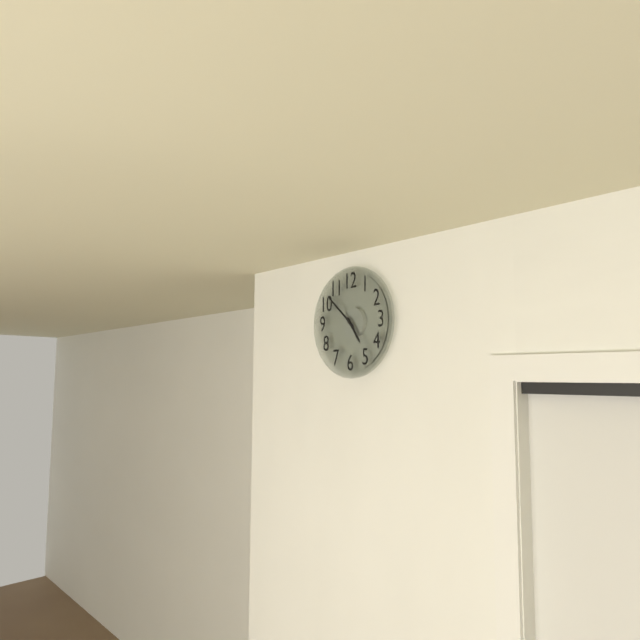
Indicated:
4 h 52 min
